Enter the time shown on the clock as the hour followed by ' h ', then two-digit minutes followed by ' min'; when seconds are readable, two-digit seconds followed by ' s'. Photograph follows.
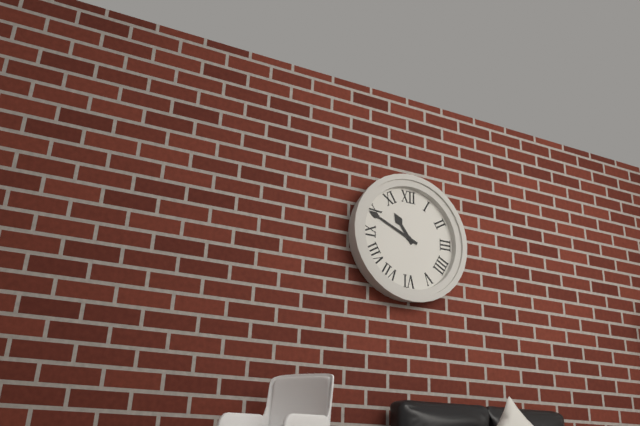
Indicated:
10 h 49 min
